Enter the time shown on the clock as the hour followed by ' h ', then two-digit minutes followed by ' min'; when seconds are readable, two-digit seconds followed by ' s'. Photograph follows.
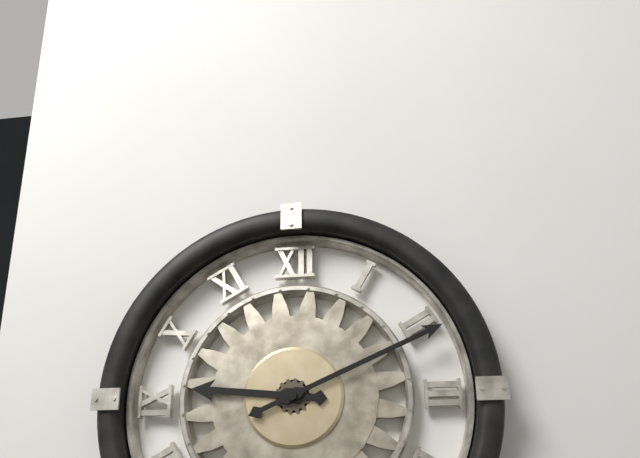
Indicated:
9 h 11 min
